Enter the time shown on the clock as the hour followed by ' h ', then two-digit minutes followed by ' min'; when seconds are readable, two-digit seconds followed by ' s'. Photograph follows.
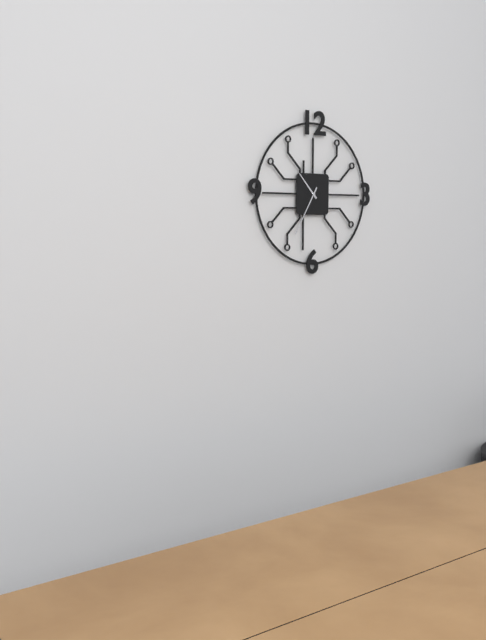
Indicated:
10 h 35 min
